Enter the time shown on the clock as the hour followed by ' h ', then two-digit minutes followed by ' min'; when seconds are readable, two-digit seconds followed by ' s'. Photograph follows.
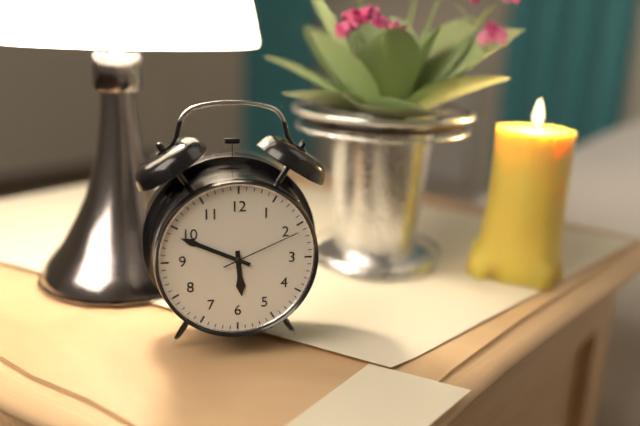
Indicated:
5 h 49 min 11 s
